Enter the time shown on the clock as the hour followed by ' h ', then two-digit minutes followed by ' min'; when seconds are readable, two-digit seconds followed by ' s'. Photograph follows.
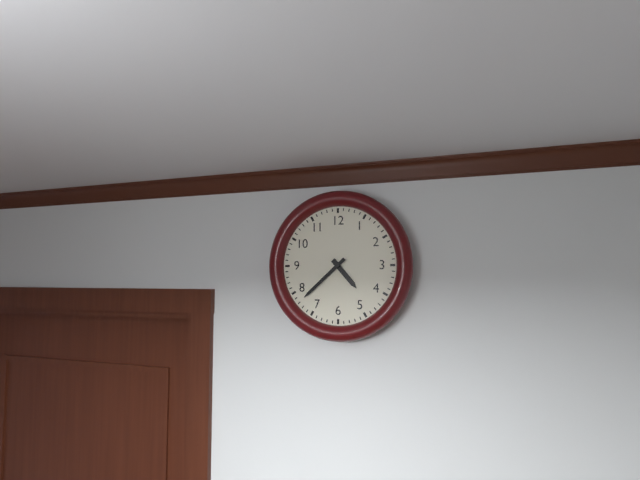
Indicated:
4 h 38 min
